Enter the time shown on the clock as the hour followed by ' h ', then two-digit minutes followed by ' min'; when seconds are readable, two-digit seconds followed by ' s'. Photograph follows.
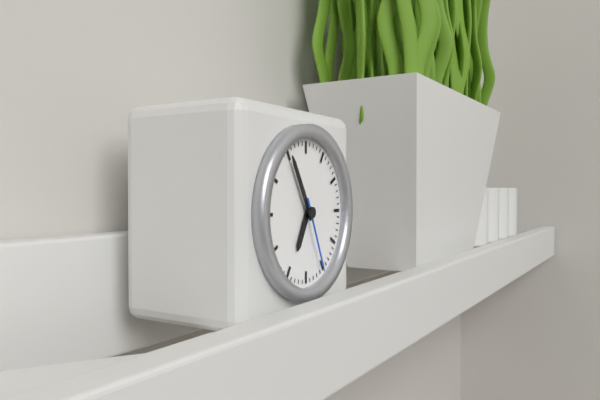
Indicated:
6 h 55 min 26 s
